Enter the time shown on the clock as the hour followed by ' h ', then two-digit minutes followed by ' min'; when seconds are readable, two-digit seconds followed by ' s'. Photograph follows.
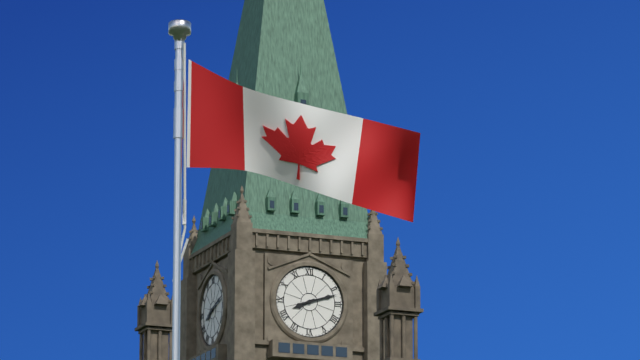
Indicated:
8 h 12 min
